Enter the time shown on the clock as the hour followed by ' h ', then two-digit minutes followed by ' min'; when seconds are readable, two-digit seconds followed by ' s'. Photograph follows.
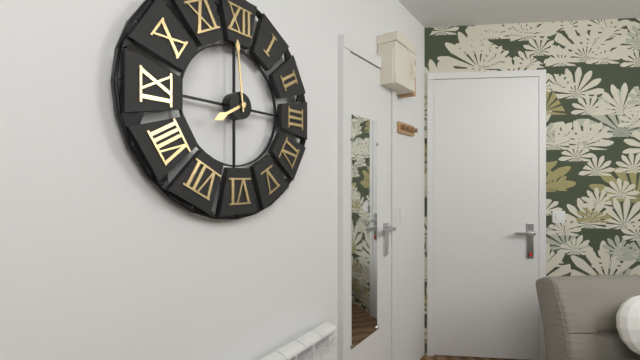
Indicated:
7 h 59 min
